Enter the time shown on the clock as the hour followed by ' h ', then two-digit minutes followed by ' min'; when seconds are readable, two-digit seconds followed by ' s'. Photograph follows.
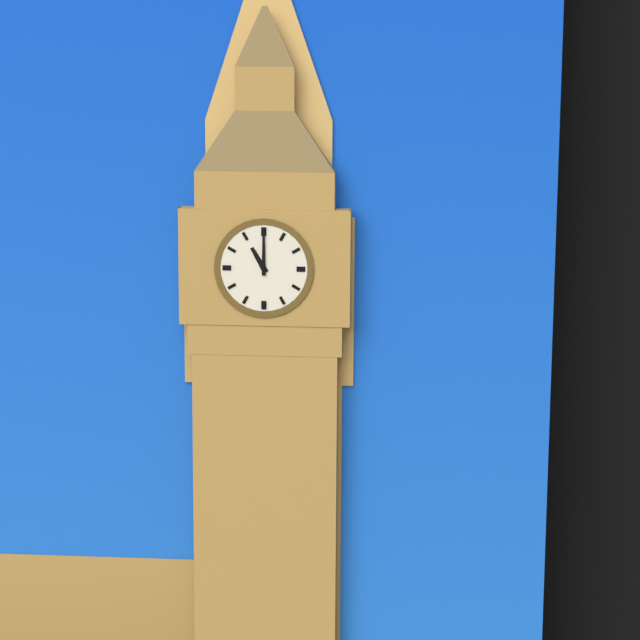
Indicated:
11 h 00 min
